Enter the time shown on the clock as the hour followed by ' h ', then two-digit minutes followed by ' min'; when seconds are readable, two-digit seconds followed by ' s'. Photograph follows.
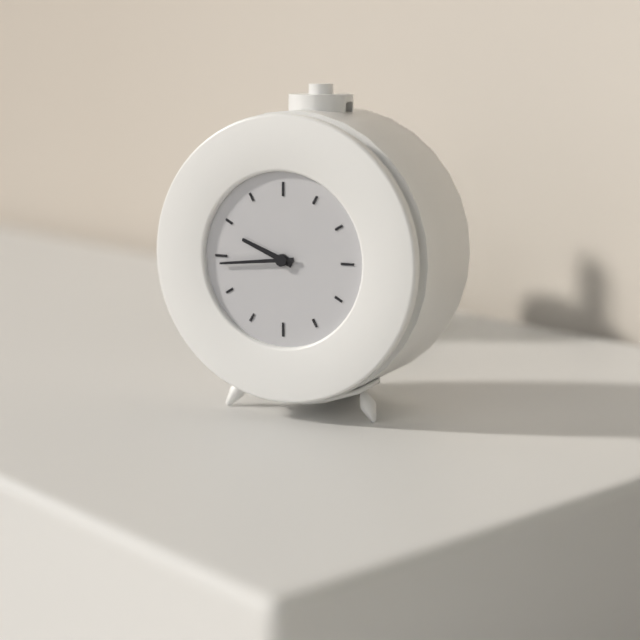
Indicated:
9 h 44 min
